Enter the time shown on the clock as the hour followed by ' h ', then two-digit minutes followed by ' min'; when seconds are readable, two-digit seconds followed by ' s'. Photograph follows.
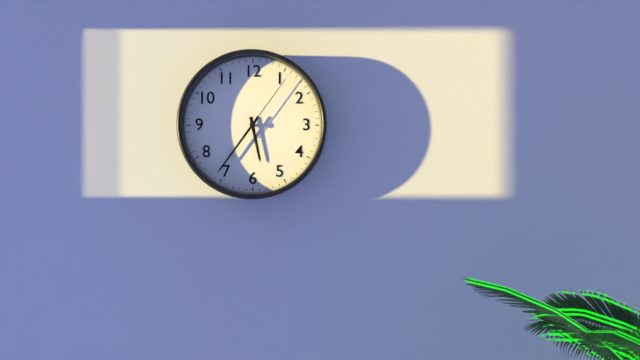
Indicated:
5 h 36 min 06 s
